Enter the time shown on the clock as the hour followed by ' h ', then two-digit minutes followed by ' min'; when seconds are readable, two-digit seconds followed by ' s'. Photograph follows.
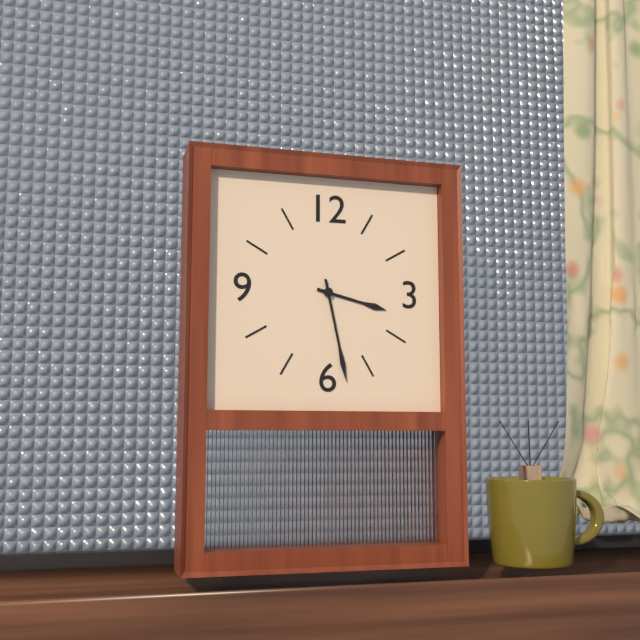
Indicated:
3 h 28 min
